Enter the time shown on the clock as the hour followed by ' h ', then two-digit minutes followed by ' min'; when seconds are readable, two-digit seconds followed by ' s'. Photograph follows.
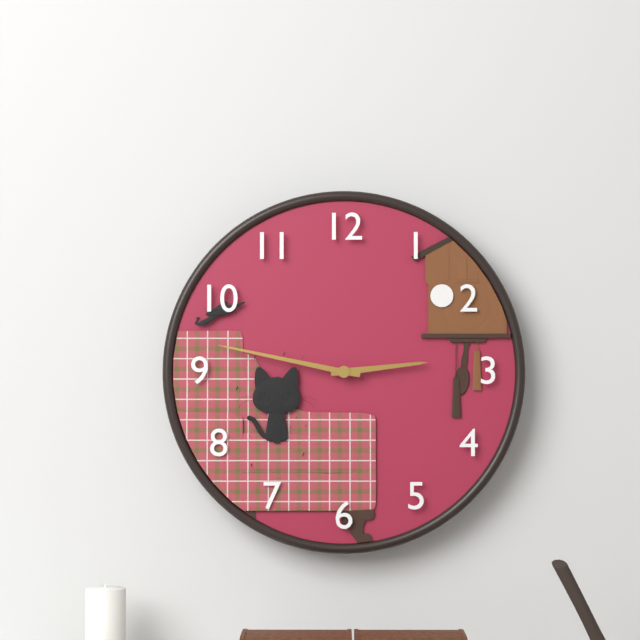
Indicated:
2 h 47 min
